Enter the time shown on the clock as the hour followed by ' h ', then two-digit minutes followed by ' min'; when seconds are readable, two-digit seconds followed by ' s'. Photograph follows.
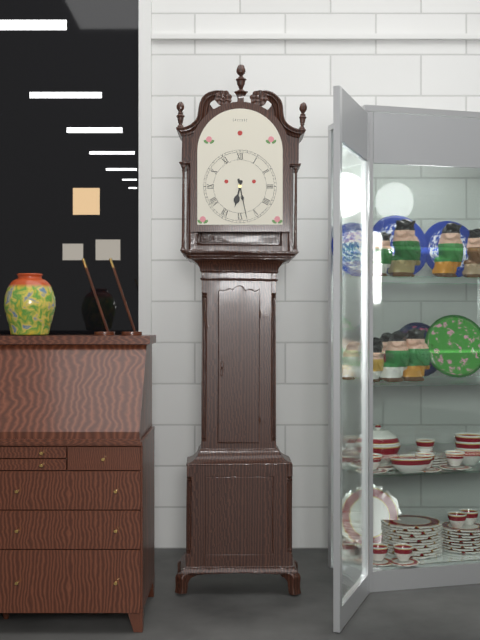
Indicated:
6 h 28 min
